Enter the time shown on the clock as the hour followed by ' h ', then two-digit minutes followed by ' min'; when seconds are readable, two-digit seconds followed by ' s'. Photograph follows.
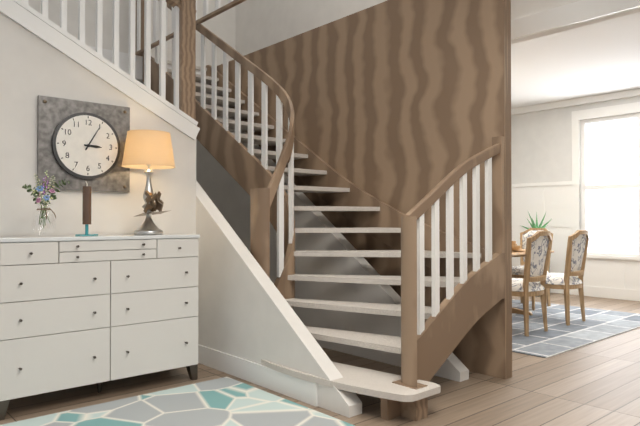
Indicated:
3 h 05 min
